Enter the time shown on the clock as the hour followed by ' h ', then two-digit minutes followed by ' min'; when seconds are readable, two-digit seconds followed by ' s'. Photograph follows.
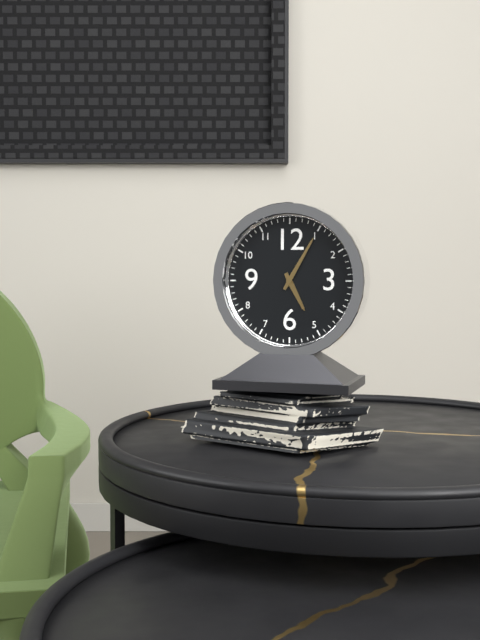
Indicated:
5 h 05 min
